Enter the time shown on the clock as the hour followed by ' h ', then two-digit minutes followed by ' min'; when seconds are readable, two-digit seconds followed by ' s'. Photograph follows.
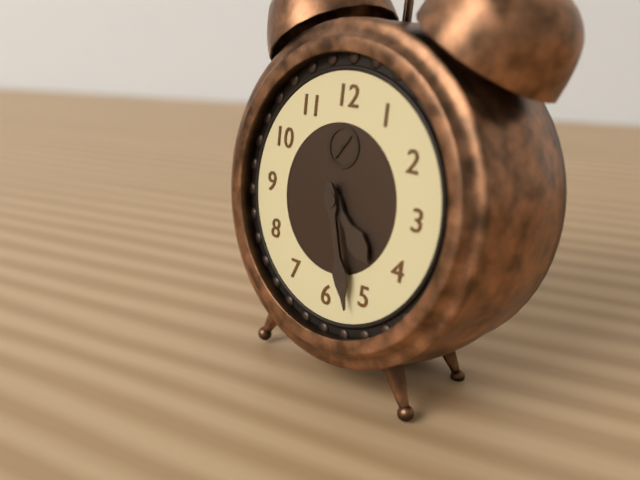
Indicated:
4 h 27 min
